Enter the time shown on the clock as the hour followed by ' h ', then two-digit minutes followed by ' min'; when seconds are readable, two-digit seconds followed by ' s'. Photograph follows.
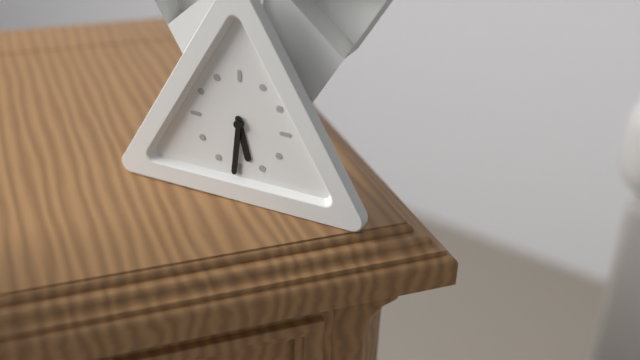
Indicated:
5 h 31 min
